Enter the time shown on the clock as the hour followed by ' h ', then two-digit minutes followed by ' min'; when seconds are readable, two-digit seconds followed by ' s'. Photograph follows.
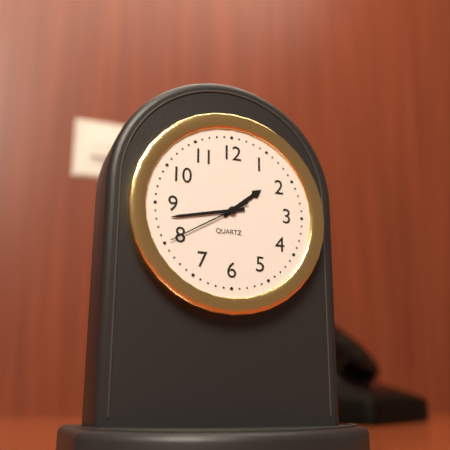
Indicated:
1 h 43 min 40 s
